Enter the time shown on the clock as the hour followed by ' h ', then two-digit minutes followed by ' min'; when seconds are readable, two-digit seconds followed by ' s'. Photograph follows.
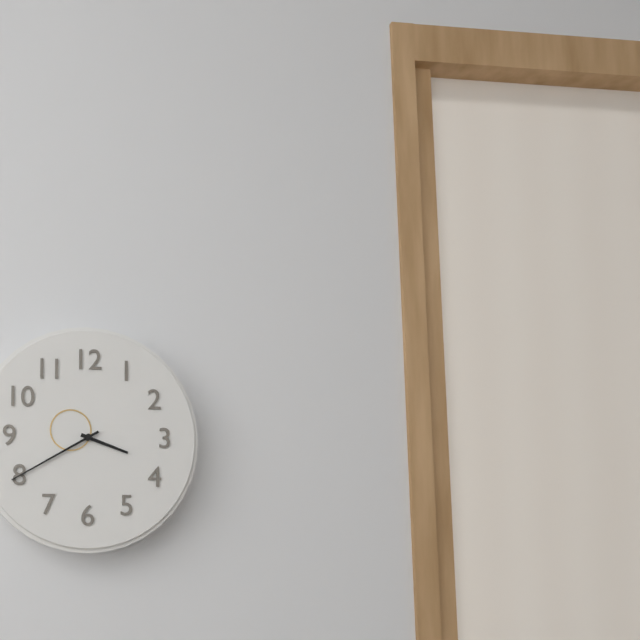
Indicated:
3 h 40 min
